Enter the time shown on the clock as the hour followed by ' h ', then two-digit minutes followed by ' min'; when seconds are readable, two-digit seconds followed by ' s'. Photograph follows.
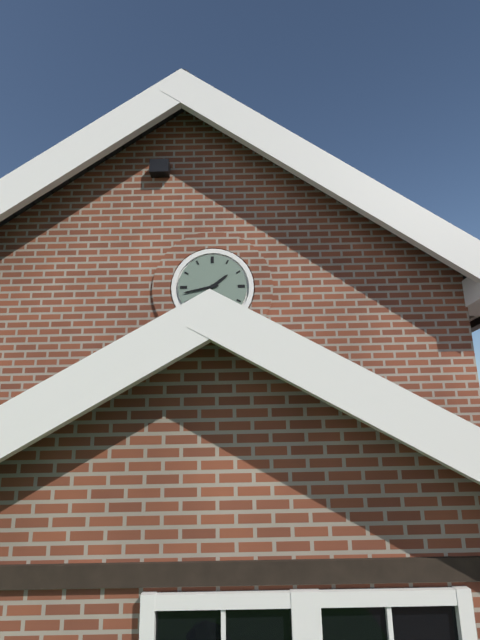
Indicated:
1 h 43 min
